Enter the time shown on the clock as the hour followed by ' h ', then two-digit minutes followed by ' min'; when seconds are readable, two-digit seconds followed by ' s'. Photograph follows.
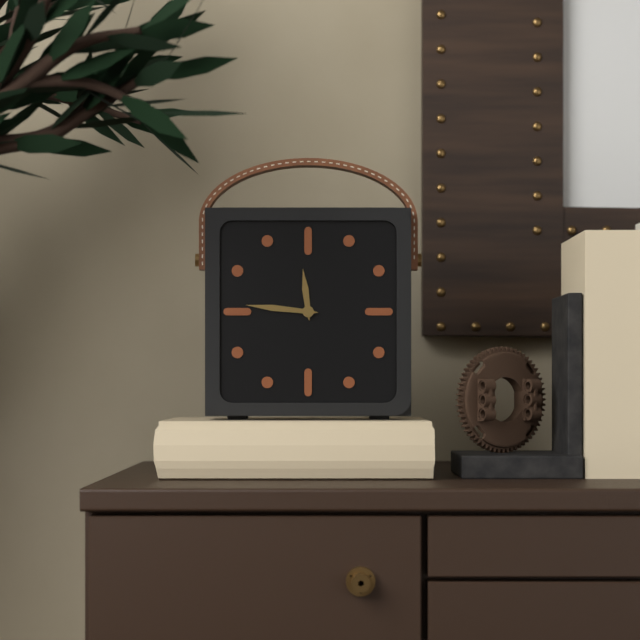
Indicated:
11 h 46 min
